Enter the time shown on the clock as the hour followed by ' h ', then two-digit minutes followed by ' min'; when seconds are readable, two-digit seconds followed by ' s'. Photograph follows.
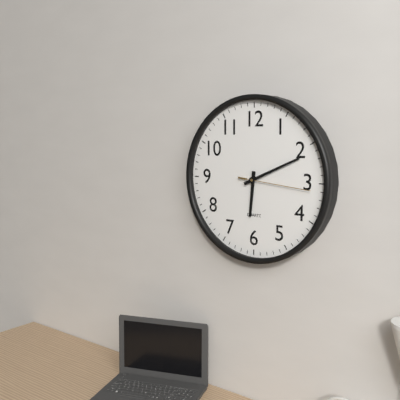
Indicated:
6 h 11 min 16 s
